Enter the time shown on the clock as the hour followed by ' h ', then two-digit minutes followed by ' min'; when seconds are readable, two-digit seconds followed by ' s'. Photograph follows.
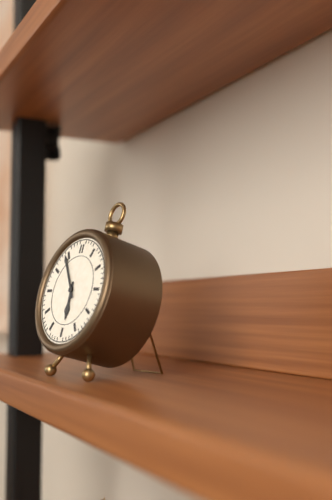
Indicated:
5 h 54 min
